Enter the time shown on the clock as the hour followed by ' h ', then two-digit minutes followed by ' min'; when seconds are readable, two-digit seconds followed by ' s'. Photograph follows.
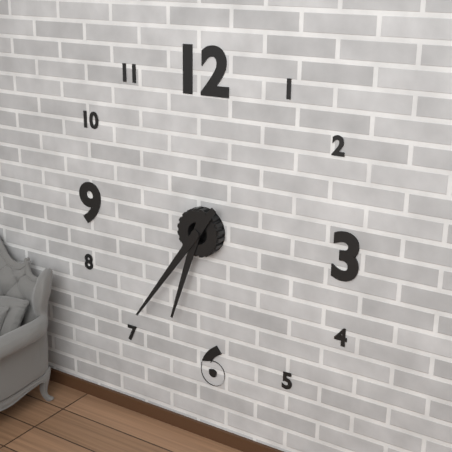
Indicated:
6 h 36 min
